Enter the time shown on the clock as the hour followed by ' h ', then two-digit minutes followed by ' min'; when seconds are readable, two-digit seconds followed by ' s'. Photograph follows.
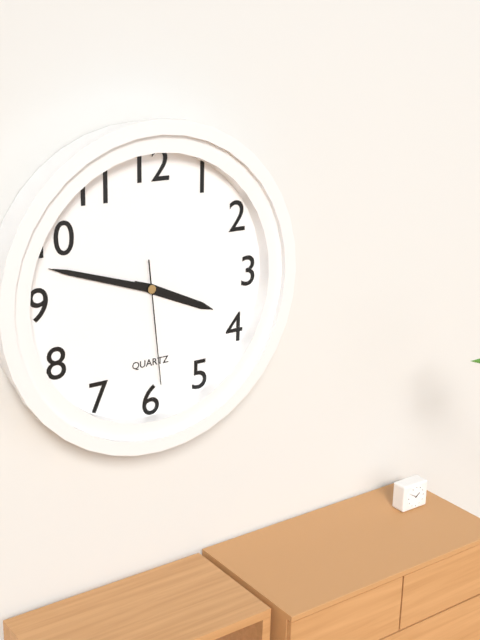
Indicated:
3 h 48 min 29 s
